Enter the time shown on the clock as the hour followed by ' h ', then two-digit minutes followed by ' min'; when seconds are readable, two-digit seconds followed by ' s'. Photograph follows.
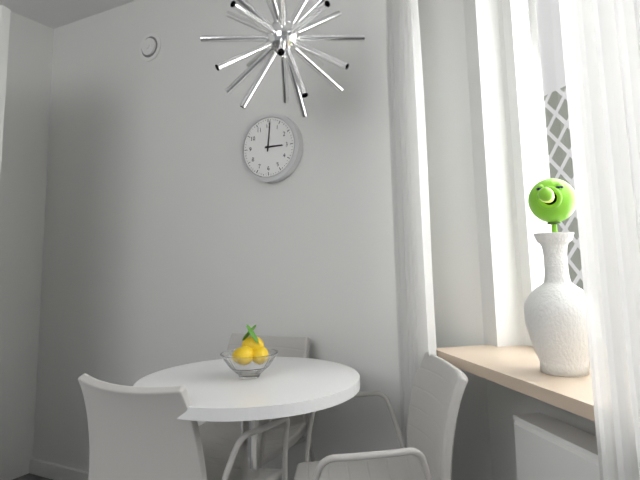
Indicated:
3 h 01 min
